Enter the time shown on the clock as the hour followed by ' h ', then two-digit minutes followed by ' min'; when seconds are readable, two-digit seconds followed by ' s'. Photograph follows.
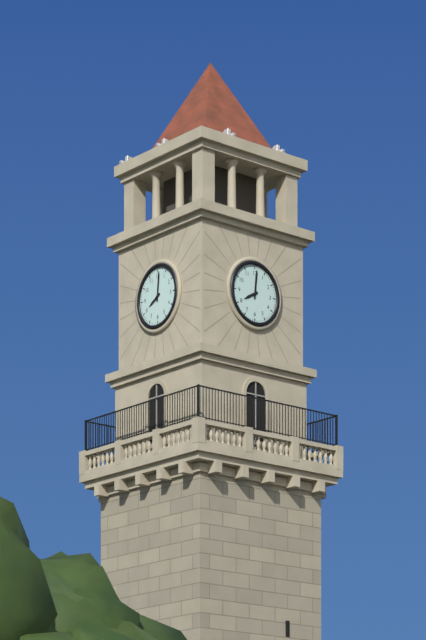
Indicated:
8 h 01 min
